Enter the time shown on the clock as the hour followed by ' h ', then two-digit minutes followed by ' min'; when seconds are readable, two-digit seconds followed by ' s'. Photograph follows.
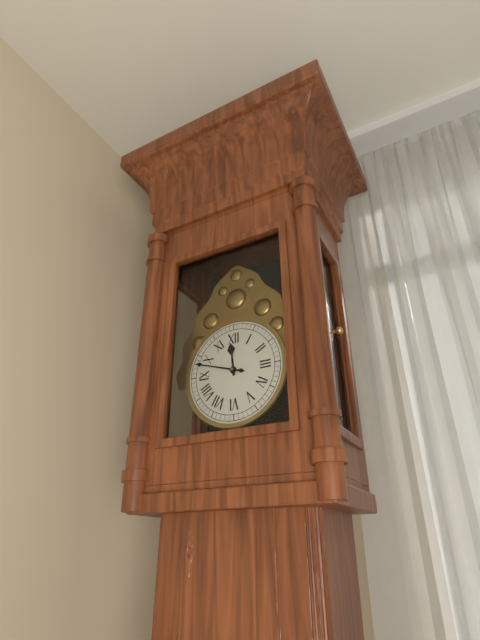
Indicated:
11 h 48 min
